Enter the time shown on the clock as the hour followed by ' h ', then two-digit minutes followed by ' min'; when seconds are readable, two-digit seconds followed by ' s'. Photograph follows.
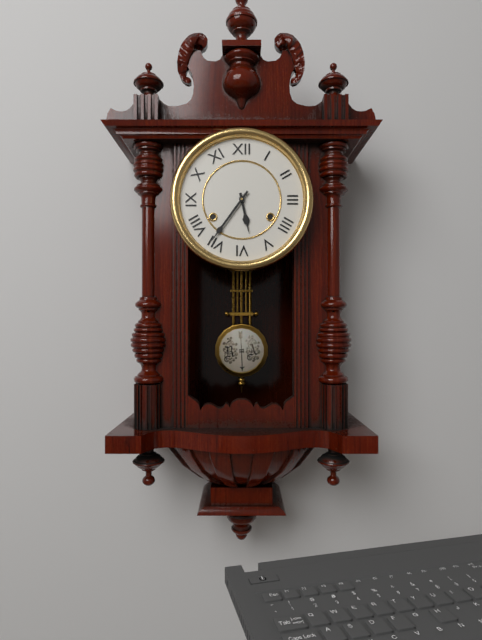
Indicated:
5 h 36 min
